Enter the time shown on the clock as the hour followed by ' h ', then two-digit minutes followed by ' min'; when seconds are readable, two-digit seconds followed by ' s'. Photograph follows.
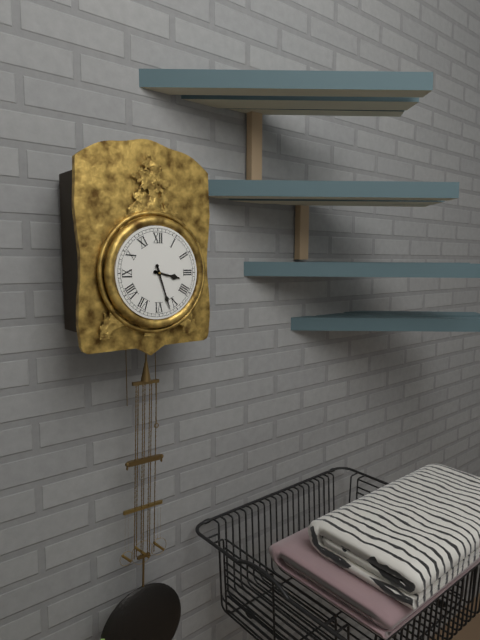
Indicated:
3 h 27 min
